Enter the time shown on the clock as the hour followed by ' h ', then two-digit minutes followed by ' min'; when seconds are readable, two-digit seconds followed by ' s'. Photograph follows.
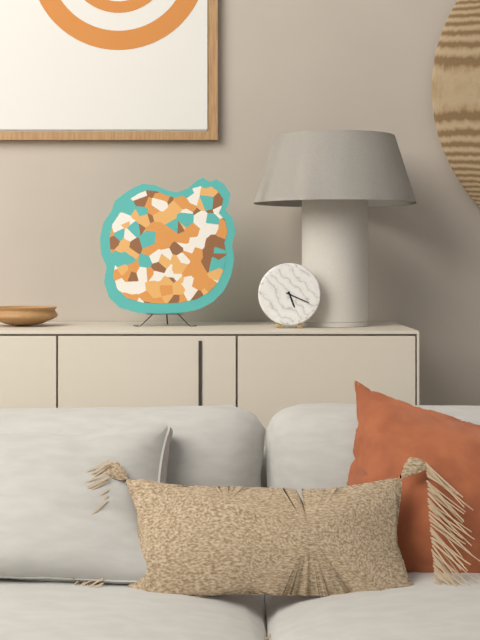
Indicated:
5 h 19 min
